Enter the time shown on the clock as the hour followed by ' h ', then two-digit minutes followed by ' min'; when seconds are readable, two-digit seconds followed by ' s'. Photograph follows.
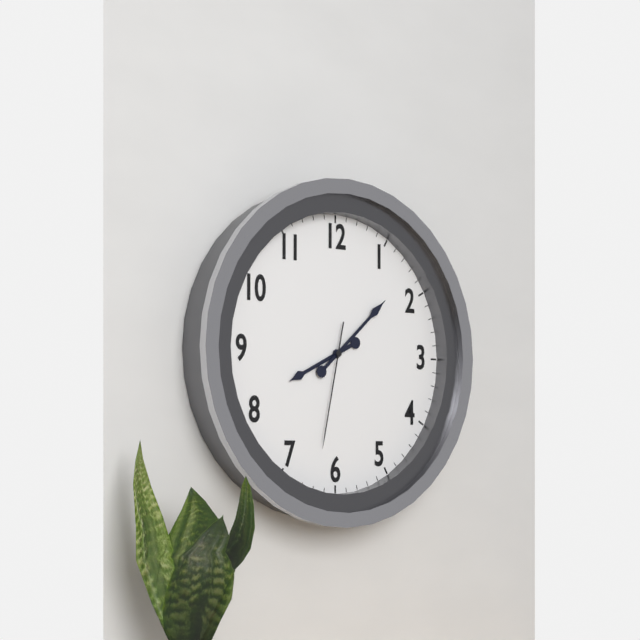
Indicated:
8 h 08 min 32 s
